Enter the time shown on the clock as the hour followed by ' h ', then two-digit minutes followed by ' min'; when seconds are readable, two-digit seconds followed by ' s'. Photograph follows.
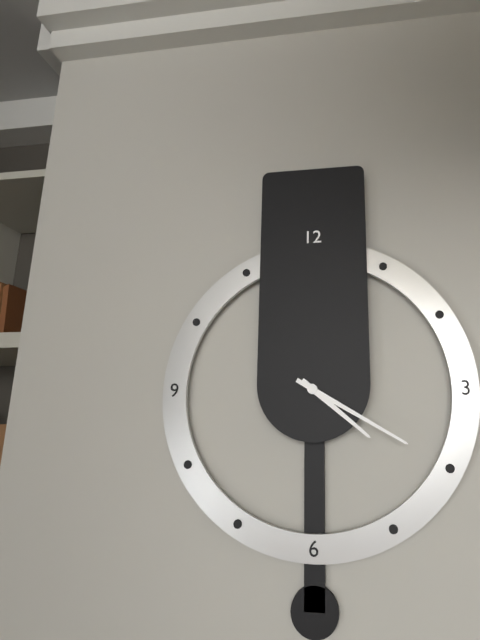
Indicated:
4 h 20 min
